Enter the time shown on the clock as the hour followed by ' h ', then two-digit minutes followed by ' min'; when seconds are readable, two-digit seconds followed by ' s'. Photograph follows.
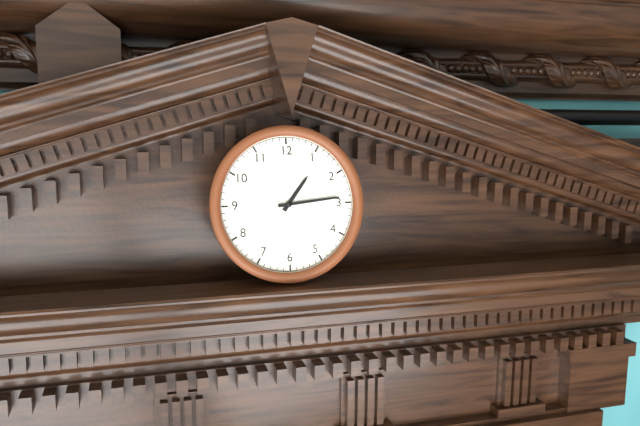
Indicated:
1 h 14 min
